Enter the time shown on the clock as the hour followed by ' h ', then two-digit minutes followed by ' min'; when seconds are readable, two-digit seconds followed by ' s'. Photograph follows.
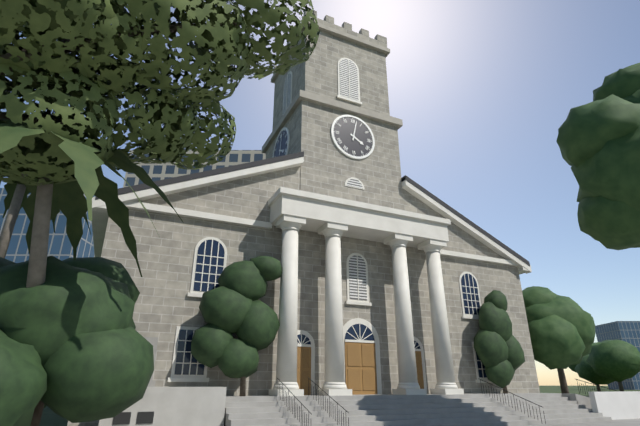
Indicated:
4 h 02 min
